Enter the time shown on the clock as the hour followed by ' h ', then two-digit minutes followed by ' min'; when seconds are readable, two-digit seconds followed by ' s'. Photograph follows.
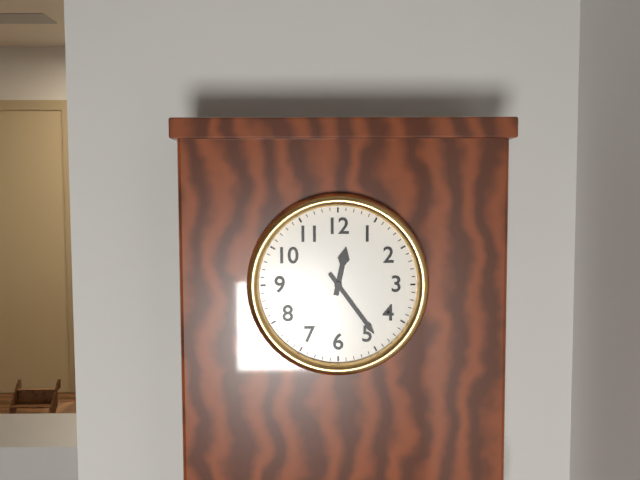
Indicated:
12 h 24 min
